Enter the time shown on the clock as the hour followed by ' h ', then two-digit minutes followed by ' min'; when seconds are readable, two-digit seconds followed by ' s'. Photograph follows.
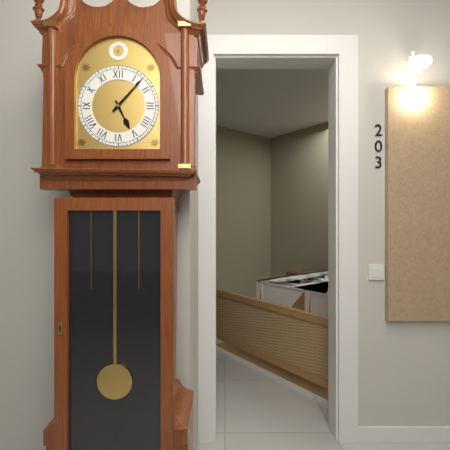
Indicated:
5 h 07 min
